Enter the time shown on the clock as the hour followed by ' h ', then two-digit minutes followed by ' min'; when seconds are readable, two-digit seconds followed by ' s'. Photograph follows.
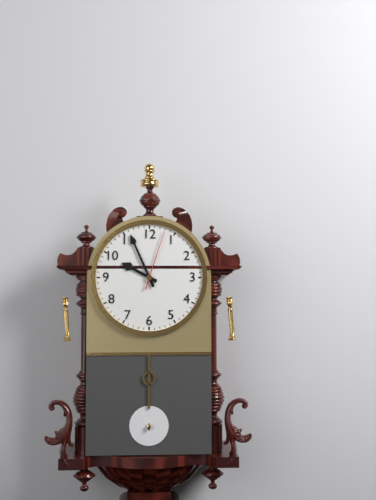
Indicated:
9 h 56 min 03 s
